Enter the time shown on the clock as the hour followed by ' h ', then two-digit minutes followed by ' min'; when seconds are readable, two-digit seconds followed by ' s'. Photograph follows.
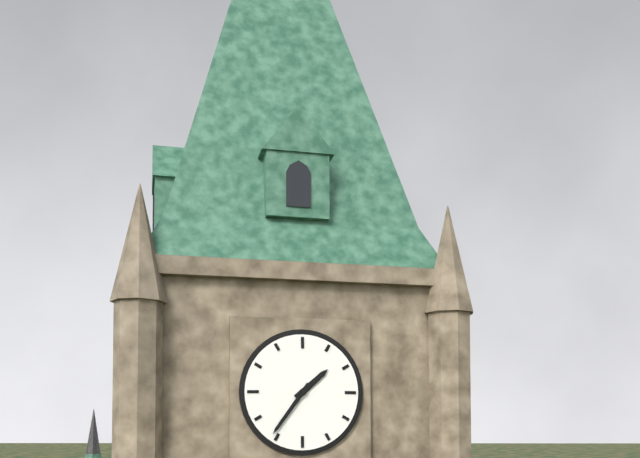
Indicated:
1 h 36 min
